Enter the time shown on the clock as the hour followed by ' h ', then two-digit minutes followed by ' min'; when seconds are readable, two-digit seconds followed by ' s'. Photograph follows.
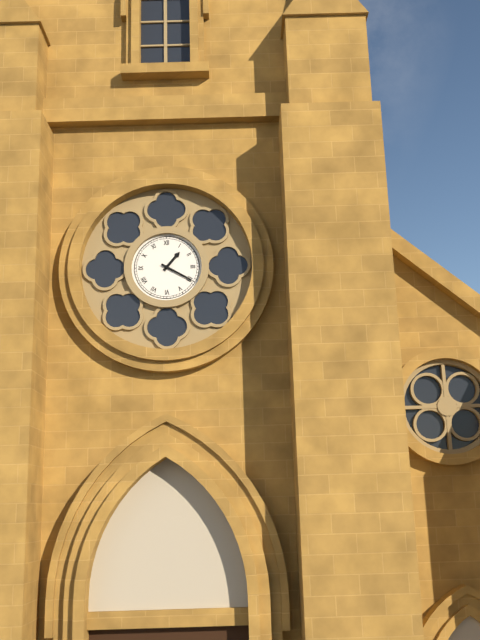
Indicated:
1 h 20 min
